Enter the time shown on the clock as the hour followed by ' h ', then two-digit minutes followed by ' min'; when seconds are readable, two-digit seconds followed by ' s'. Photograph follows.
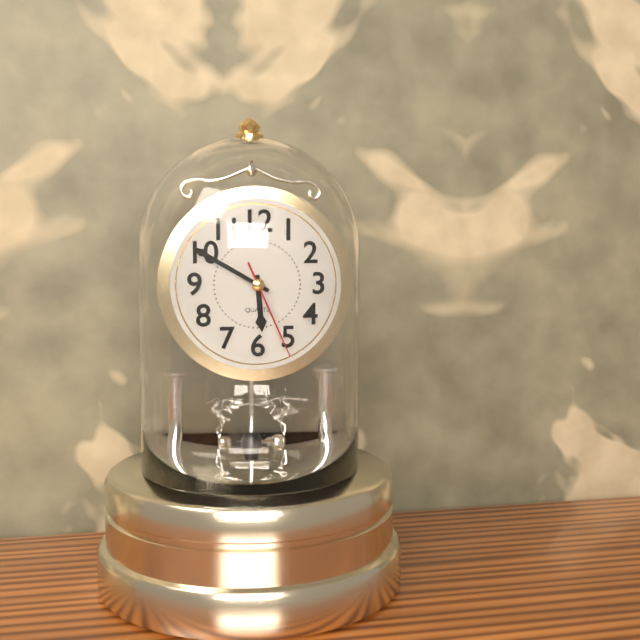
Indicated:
5 h 50 min 26 s
